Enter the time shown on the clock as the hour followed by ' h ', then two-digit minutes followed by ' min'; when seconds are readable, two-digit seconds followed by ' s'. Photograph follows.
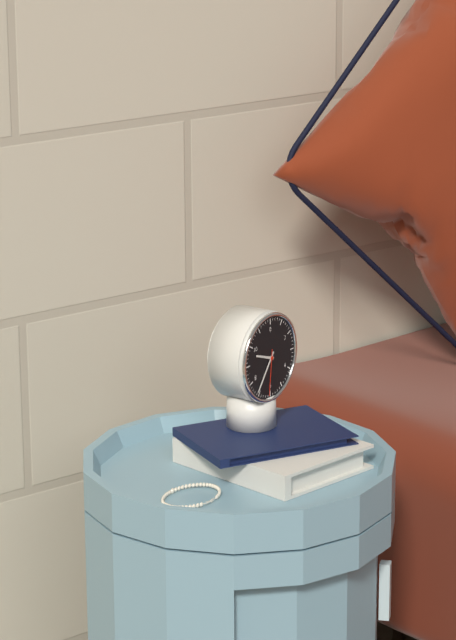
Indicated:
9 h 36 min
